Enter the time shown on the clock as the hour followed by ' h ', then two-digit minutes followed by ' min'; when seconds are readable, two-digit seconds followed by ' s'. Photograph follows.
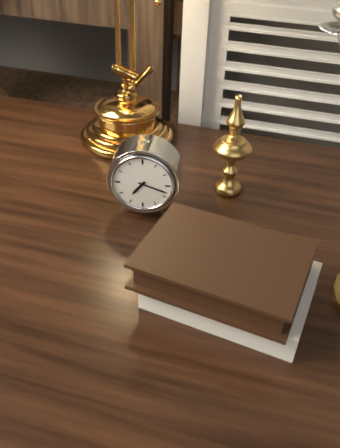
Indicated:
7 h 18 min
